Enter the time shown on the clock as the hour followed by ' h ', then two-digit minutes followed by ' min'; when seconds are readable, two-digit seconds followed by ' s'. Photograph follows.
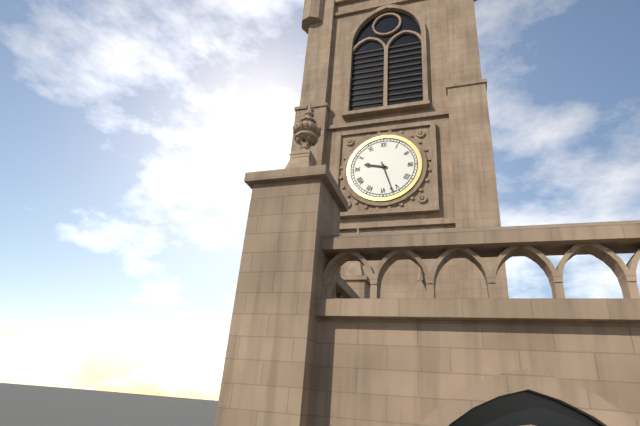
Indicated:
9 h 27 min
